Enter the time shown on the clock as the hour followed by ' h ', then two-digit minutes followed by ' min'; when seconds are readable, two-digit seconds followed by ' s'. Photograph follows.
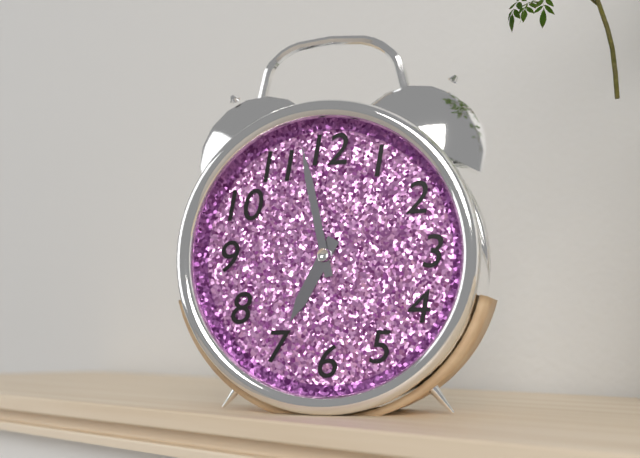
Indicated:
6 h 58 min
